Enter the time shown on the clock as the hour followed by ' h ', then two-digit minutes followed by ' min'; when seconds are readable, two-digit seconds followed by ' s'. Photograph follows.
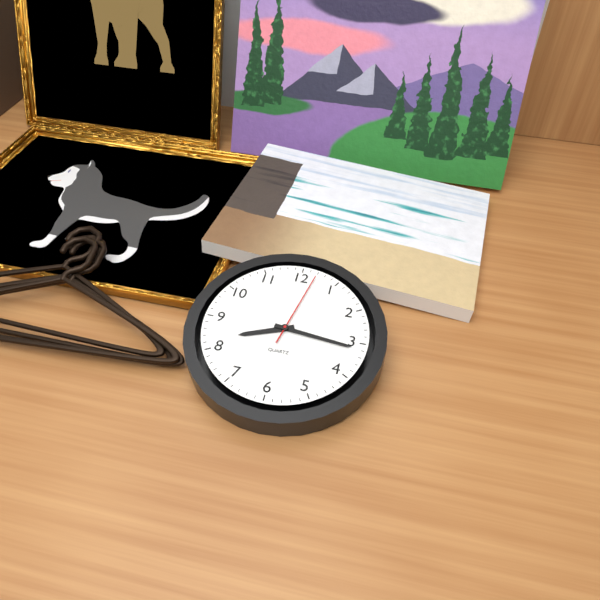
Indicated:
8 h 16 min 02 s
